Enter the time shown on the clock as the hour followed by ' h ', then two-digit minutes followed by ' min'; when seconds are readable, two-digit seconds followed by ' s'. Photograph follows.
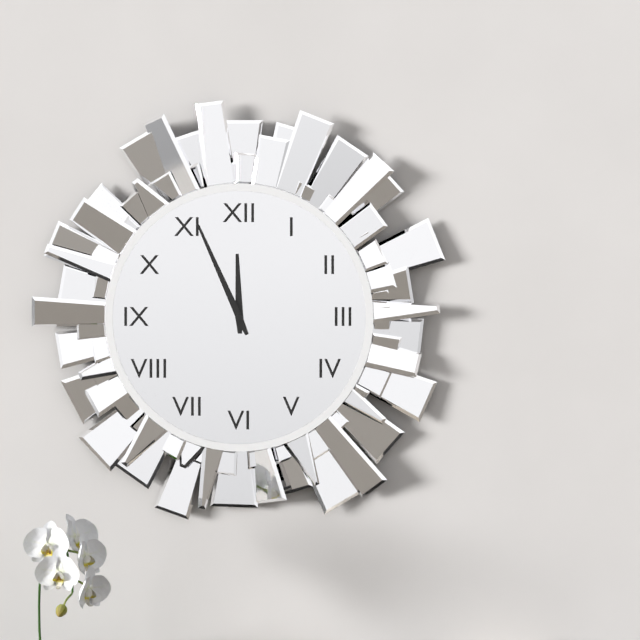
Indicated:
11 h 56 min
